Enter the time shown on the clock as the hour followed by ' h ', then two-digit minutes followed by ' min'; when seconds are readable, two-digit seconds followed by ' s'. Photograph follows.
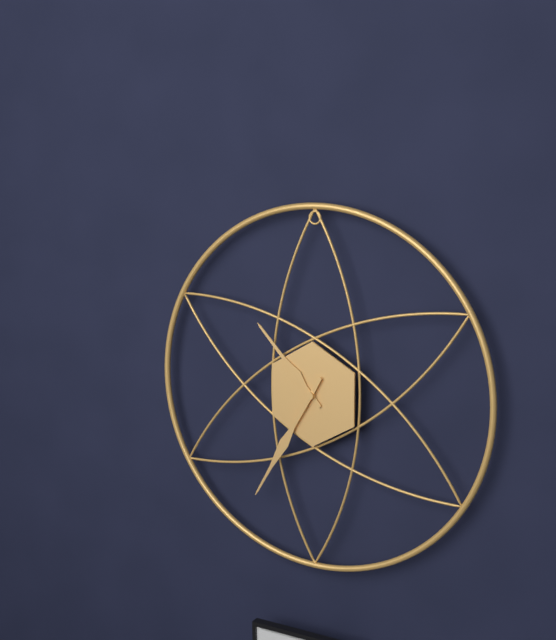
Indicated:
10 h 35 min
